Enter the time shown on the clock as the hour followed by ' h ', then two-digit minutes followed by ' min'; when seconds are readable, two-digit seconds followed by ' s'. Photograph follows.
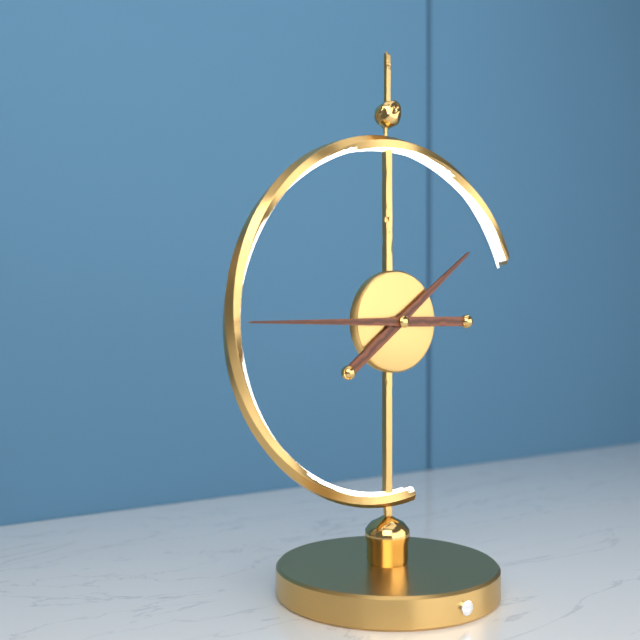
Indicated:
1 h 45 min
